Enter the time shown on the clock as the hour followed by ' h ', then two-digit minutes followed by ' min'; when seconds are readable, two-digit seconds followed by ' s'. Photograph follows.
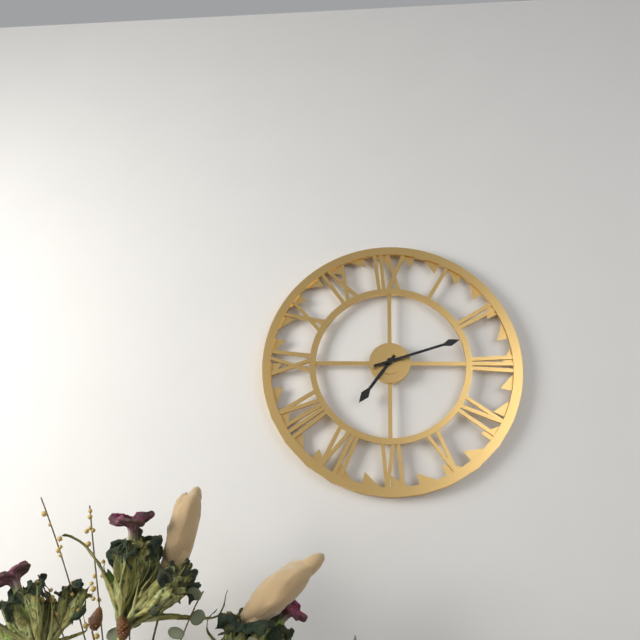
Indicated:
7 h 12 min
